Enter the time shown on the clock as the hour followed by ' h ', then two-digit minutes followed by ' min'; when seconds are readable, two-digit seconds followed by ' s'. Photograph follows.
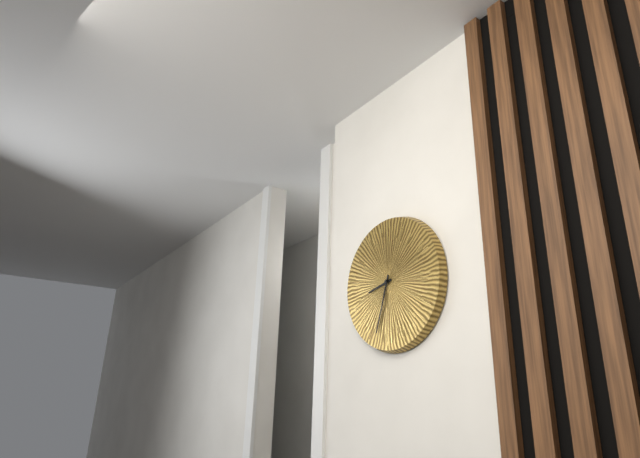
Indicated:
8 h 33 min
